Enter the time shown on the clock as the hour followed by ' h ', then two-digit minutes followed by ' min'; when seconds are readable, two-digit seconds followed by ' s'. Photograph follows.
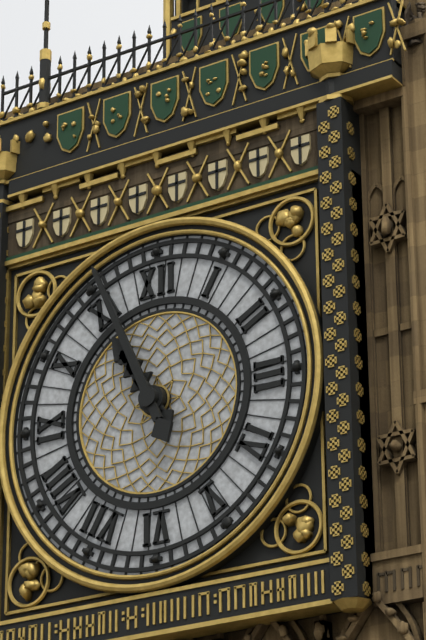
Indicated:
10 h 56 min
